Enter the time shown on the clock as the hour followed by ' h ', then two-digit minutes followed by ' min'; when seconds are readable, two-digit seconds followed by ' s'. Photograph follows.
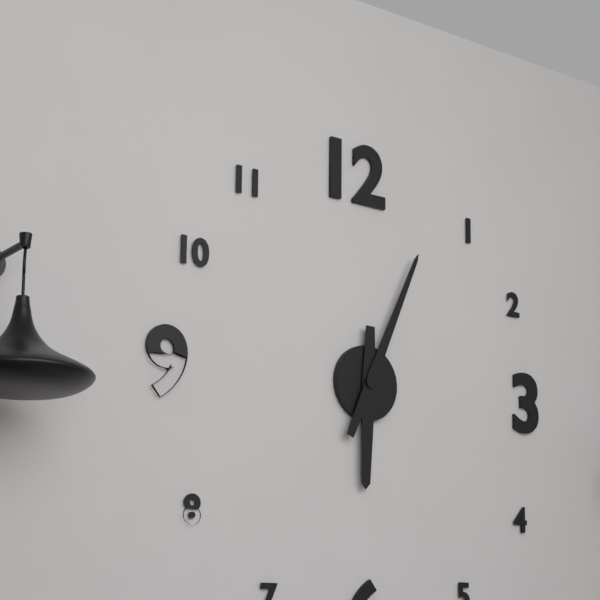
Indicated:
6 h 04 min
